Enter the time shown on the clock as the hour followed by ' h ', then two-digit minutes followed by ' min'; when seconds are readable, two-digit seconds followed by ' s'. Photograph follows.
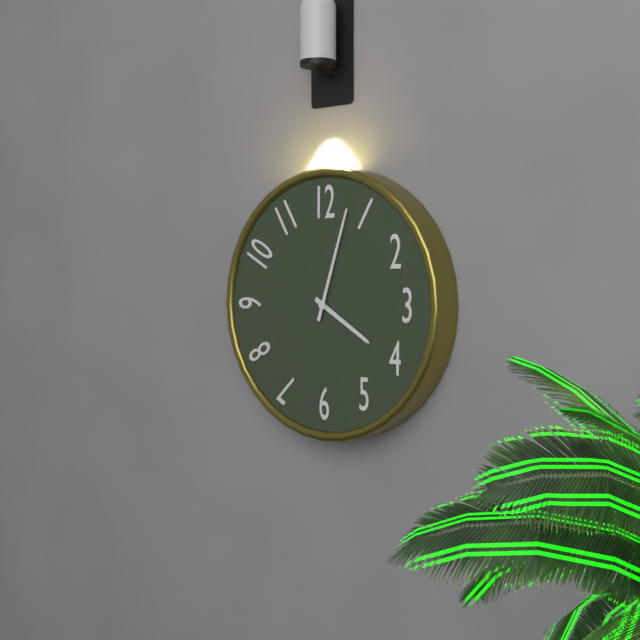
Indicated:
4 h 03 min
